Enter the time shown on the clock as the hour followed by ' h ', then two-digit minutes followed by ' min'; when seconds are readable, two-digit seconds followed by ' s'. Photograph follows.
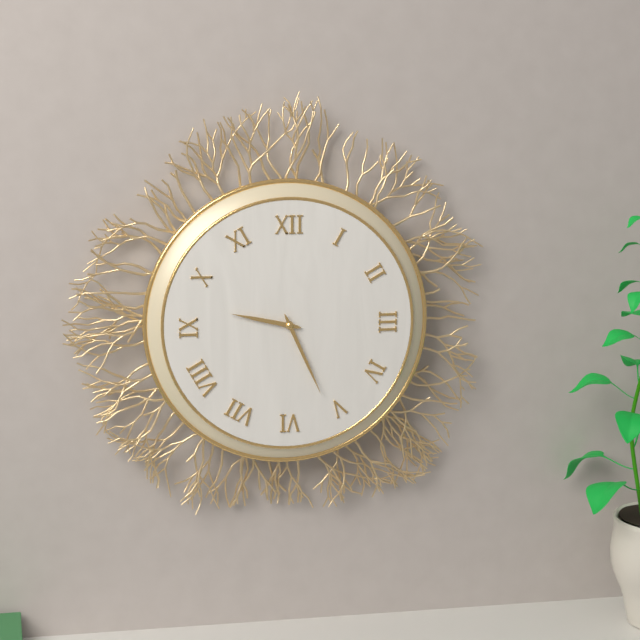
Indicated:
9 h 26 min
